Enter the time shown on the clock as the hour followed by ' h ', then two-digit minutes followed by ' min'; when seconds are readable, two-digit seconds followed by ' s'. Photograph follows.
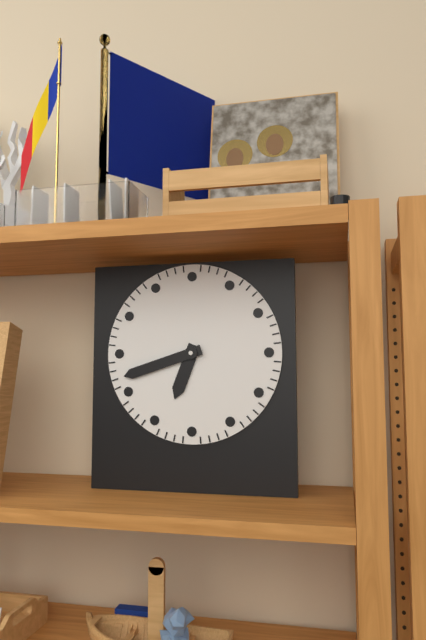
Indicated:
6 h 42 min
